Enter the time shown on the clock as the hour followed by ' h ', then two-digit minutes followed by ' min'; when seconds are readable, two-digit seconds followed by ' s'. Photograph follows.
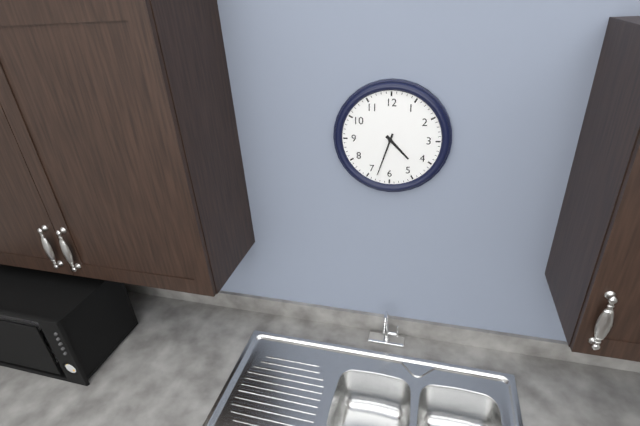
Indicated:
4 h 33 min
